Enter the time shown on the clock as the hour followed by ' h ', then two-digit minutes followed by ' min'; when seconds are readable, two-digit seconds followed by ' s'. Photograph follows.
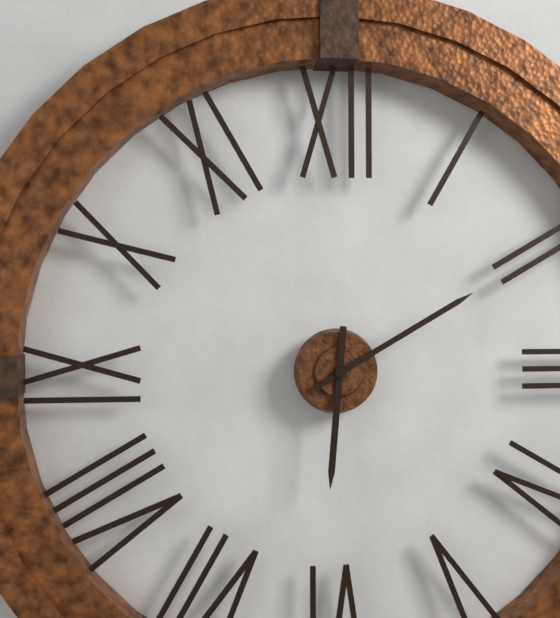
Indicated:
6 h 10 min
